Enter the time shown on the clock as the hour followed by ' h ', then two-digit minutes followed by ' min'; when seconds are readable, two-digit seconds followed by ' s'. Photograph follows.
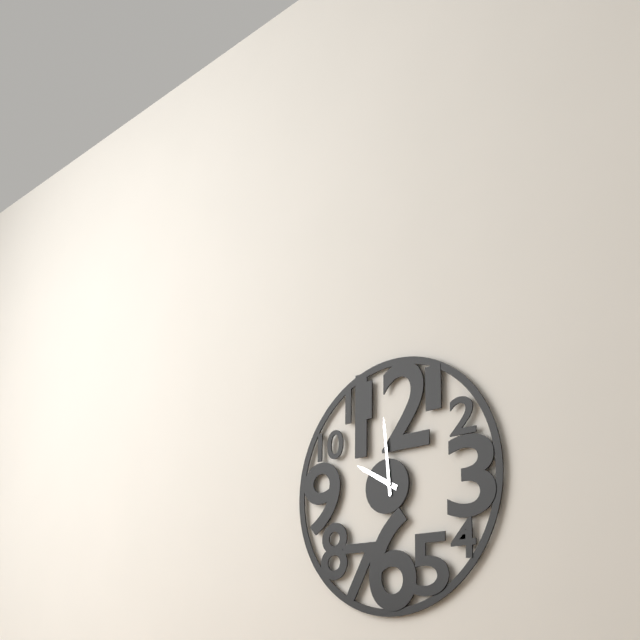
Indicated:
9 h 59 min
